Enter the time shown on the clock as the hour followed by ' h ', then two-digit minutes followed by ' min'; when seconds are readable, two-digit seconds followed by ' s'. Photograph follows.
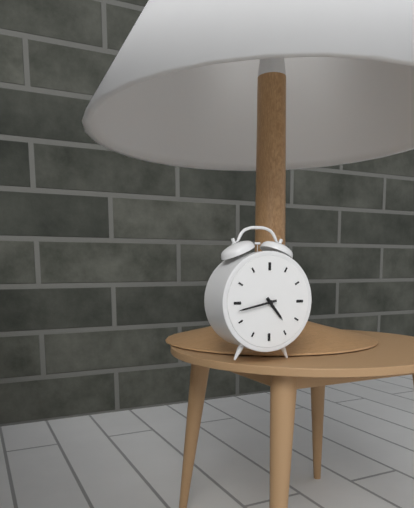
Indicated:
4 h 43 min
